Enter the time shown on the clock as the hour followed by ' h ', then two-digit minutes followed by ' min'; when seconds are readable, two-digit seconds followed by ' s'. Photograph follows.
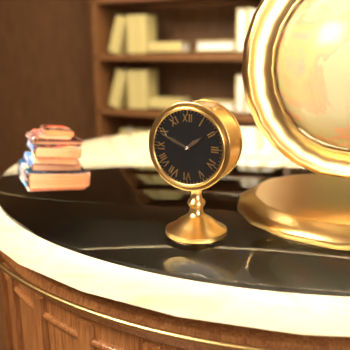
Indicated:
1 h 49 min
